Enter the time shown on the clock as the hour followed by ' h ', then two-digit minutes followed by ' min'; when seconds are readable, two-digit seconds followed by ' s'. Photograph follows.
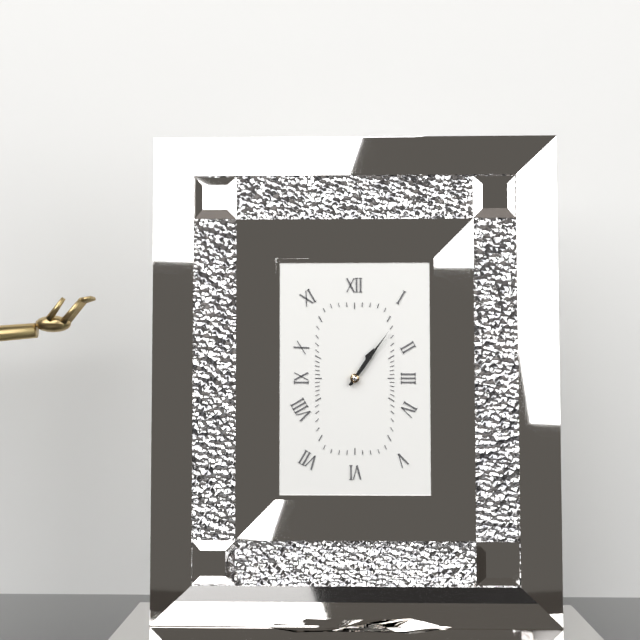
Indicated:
1 h 06 min
